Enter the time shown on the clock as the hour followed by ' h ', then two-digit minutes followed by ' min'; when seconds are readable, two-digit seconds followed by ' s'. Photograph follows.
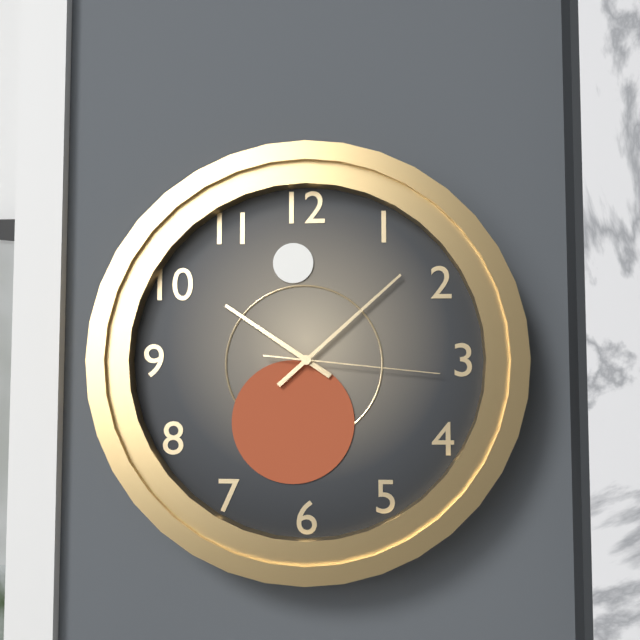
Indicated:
10 h 08 min 16 s
